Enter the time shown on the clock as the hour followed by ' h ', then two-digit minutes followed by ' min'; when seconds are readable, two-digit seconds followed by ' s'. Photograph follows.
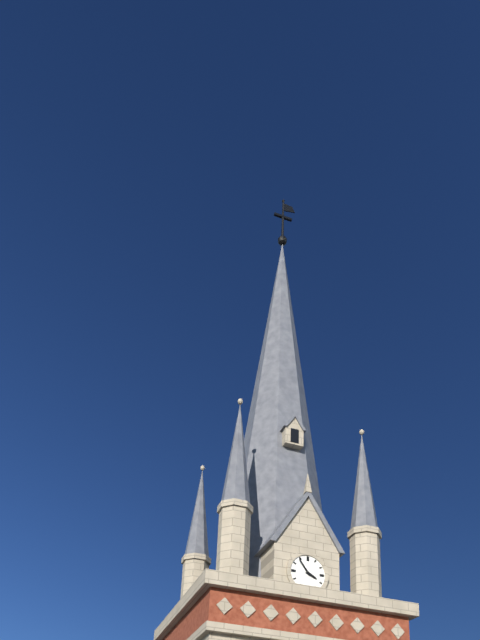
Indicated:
3 h 54 min
